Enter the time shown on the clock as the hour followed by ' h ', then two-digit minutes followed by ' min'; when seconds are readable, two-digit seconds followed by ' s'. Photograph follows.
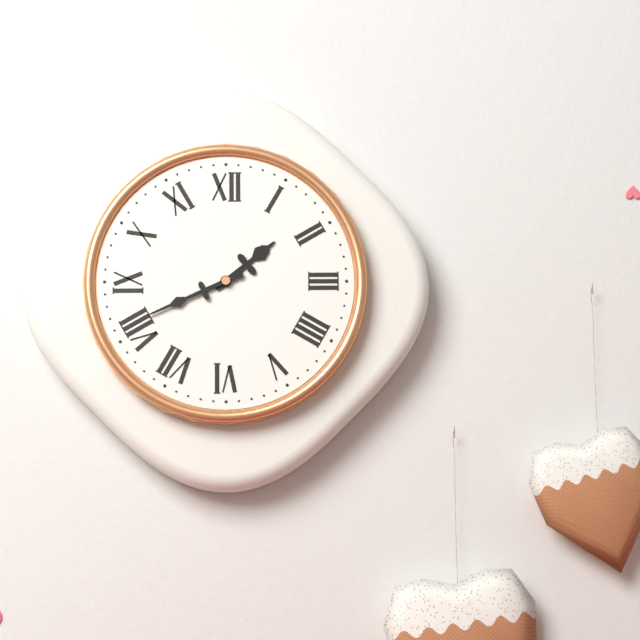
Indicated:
1 h 41 min
